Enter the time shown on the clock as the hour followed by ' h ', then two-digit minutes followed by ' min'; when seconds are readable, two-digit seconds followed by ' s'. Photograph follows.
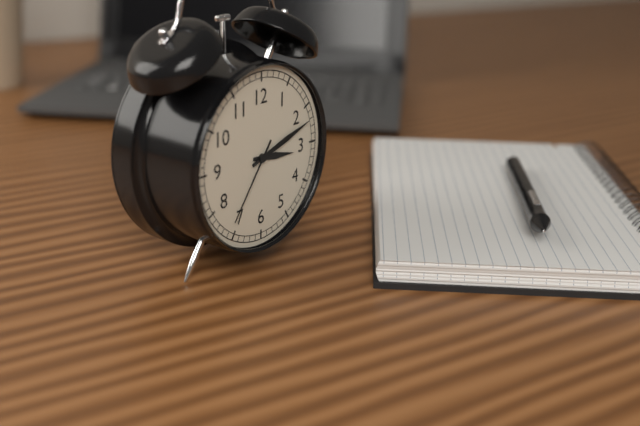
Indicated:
3 h 12 min 36 s
